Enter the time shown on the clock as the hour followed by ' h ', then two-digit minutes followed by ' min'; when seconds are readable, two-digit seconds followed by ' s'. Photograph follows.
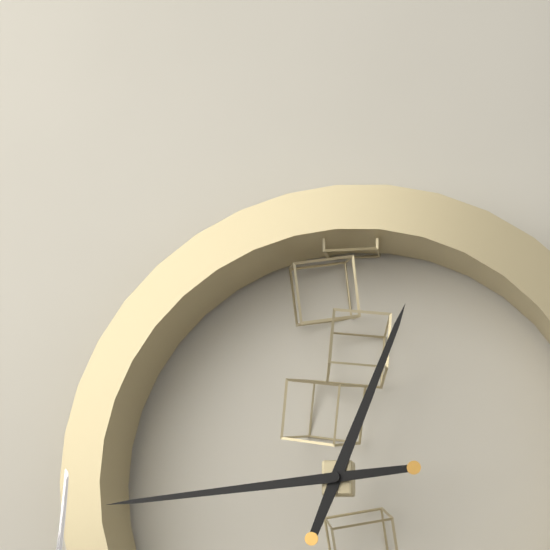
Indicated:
12 h 44 min
